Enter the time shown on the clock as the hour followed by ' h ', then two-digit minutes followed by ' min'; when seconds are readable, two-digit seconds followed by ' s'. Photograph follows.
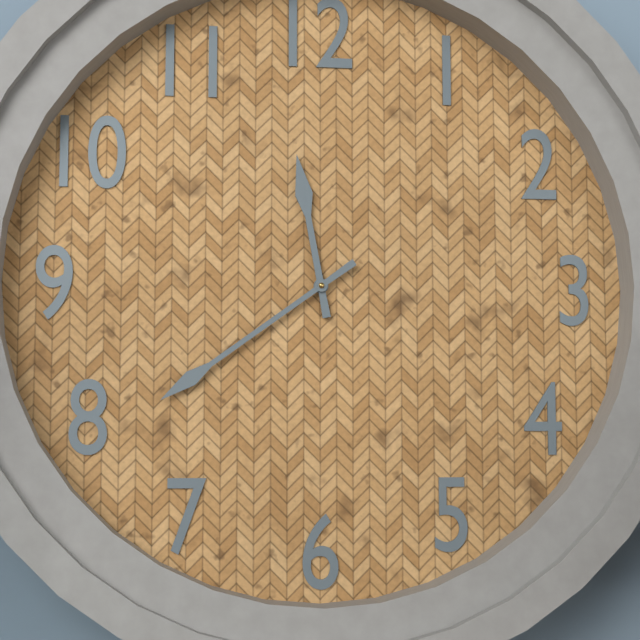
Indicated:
11 h 39 min
